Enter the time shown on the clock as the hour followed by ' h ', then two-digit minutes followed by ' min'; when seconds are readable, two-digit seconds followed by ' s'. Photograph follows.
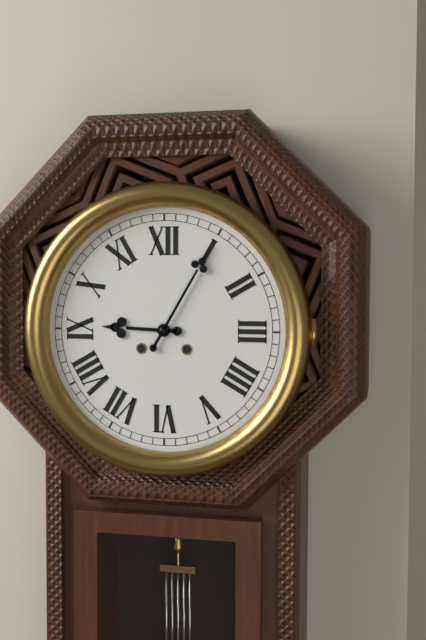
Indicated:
9 h 05 min
